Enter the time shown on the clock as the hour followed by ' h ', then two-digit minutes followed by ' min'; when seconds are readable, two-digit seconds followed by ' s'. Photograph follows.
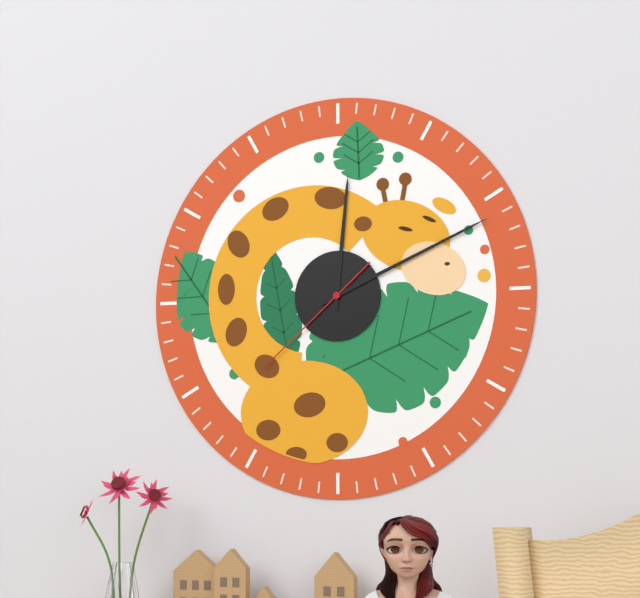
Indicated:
12 h 11 min 38 s
